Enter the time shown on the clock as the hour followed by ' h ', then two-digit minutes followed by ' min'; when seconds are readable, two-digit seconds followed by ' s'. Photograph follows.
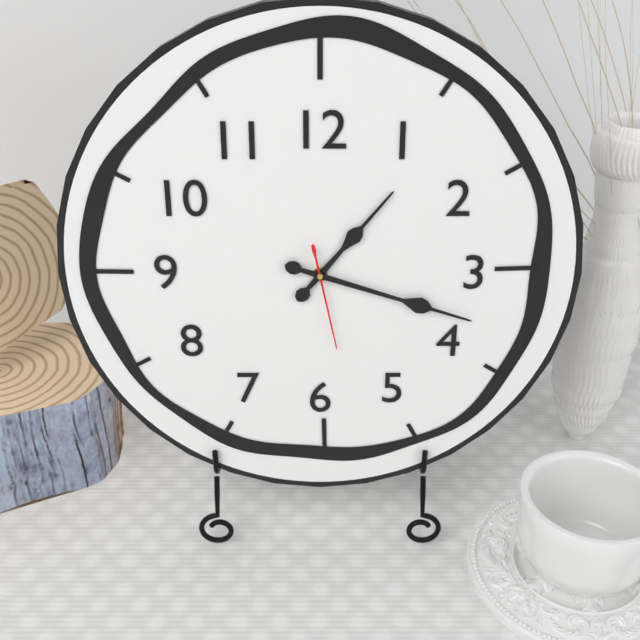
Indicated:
1 h 18 min 28 s
